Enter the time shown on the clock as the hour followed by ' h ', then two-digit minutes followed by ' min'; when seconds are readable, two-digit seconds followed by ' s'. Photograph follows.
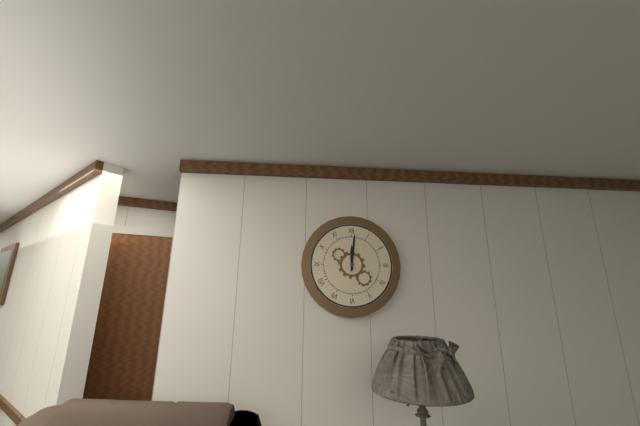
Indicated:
12 h 01 min
